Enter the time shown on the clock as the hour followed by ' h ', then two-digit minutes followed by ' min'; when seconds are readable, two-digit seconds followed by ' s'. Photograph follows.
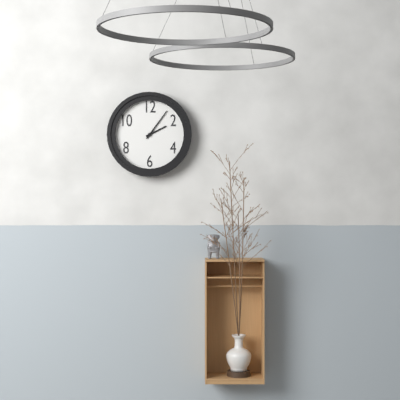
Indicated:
2 h 06 min
